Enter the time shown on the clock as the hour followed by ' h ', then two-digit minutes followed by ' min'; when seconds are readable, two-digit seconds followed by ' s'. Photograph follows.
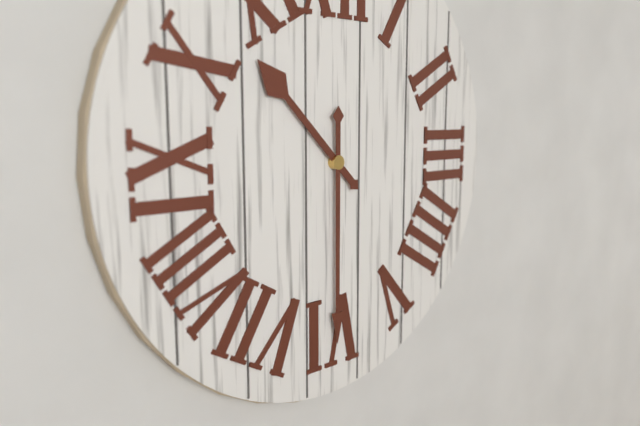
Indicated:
10 h 30 min
